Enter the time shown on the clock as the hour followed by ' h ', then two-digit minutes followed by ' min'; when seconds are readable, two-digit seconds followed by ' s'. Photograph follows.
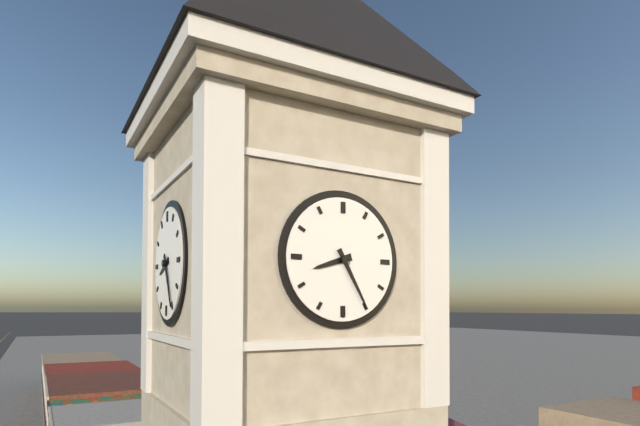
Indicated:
8 h 25 min
